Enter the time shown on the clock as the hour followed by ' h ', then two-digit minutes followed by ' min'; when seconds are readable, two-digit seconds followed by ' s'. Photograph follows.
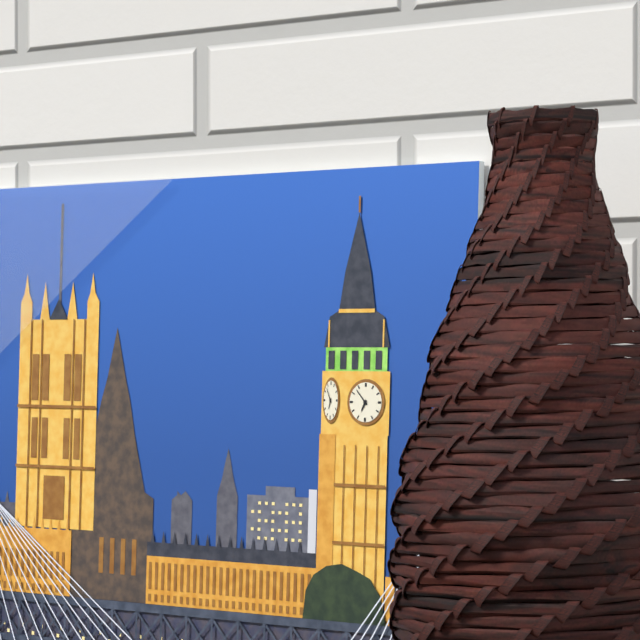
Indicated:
6 h 53 min
